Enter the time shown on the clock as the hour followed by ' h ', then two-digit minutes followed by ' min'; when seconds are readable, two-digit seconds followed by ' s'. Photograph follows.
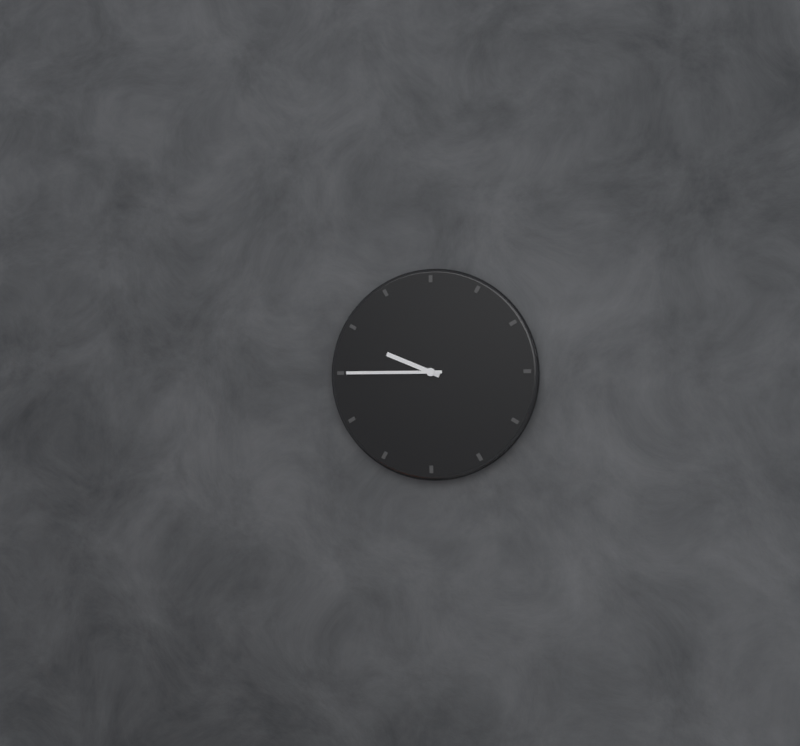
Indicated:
9 h 45 min
